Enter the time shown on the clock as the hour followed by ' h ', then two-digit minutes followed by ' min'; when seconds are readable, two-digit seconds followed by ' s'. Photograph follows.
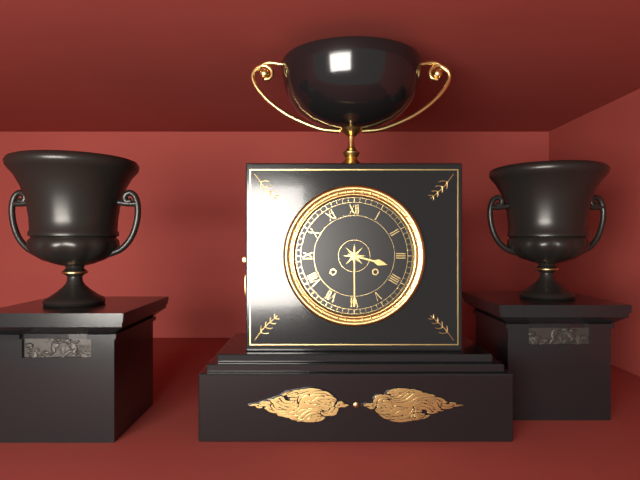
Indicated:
3 h 30 min
